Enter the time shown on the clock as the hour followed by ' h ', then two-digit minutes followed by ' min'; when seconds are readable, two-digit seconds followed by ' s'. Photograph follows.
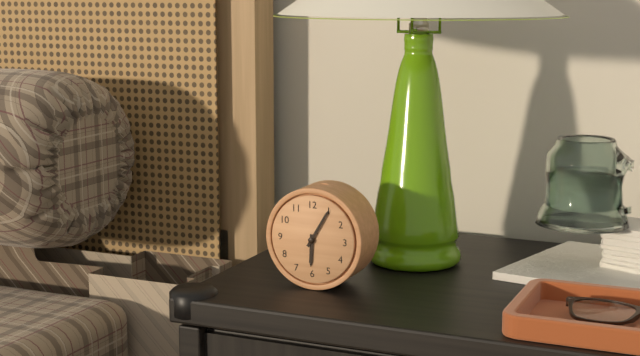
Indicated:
6 h 05 min
